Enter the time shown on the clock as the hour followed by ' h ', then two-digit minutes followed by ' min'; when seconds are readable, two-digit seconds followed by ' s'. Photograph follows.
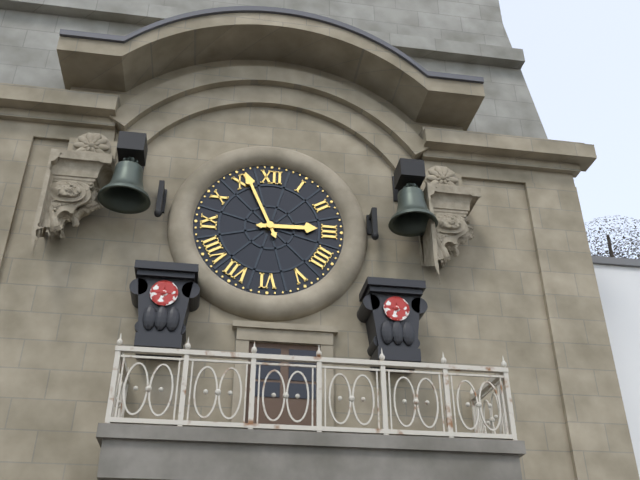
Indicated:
2 h 56 min
